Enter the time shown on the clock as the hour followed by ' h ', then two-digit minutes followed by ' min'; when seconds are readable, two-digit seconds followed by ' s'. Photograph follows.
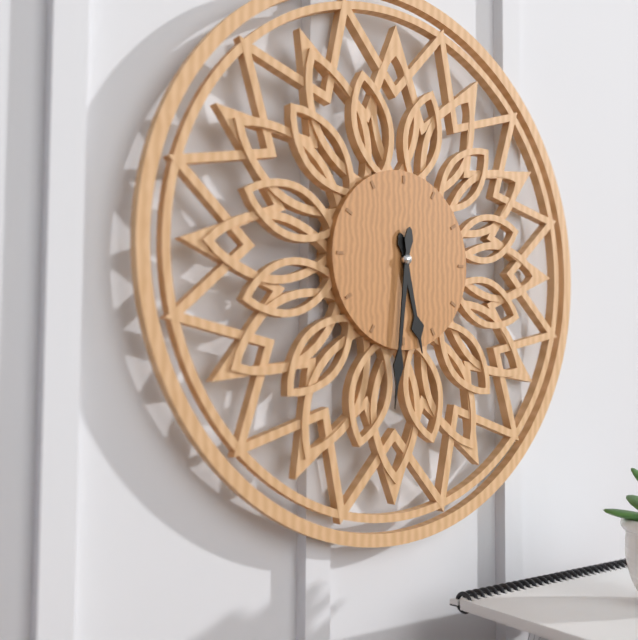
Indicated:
5 h 31 min
